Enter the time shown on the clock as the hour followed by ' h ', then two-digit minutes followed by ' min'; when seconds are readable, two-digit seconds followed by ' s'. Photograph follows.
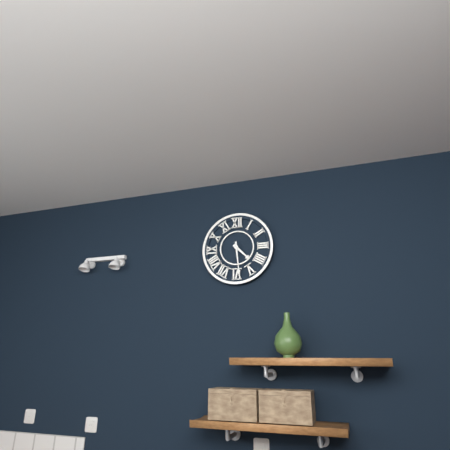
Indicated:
4 h 29 min
